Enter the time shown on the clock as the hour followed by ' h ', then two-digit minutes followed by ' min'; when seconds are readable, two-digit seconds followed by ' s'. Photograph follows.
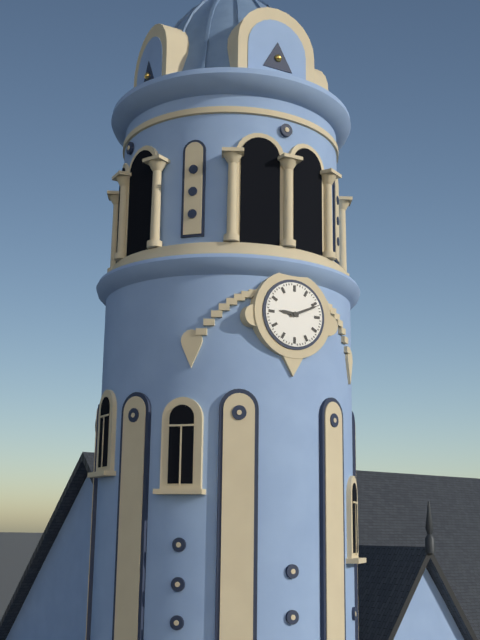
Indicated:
9 h 11 min
